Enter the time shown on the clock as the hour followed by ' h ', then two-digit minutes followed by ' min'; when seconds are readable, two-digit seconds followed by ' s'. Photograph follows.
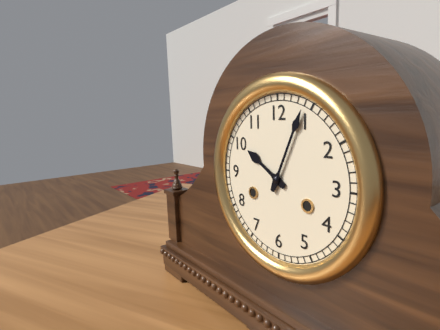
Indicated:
10 h 04 min
